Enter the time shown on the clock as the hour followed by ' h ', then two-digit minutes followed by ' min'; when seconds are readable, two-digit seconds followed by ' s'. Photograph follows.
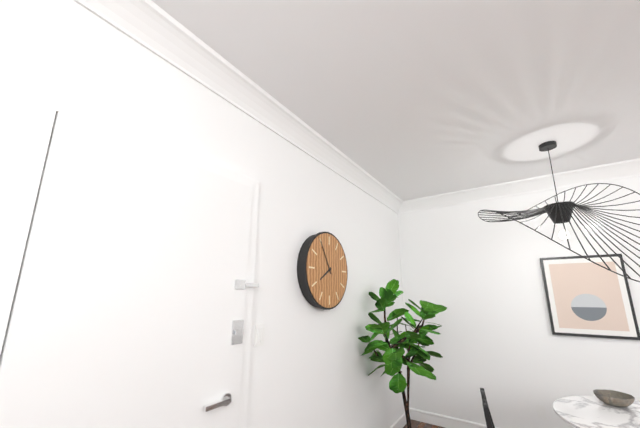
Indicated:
7 h 55 min
